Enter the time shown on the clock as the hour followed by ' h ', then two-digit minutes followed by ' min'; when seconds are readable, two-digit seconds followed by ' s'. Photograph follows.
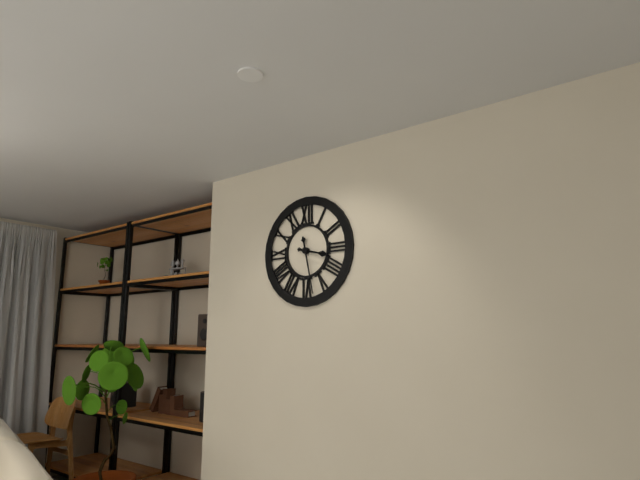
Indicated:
3 h 28 min
